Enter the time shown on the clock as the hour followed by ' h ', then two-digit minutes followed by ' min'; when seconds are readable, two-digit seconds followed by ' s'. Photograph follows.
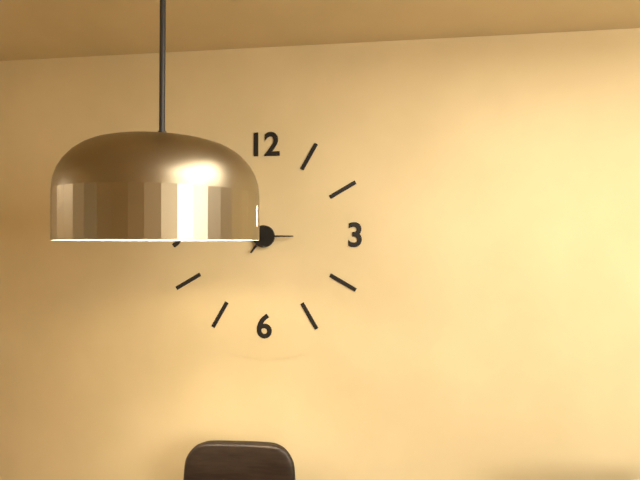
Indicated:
7 h 15 min
